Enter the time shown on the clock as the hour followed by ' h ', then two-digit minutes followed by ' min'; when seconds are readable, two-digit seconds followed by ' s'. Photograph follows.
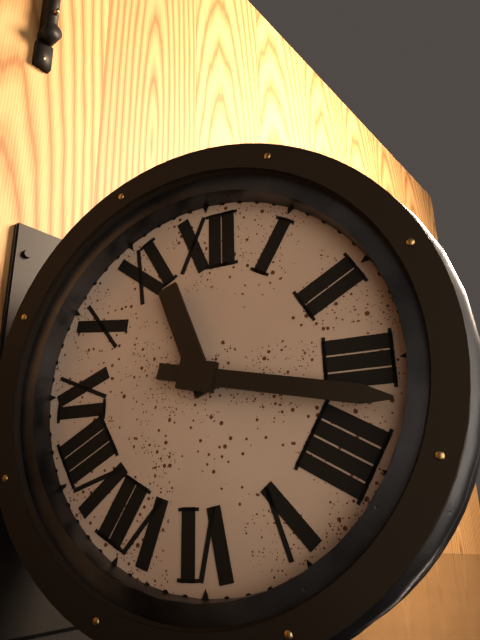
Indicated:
11 h 17 min
